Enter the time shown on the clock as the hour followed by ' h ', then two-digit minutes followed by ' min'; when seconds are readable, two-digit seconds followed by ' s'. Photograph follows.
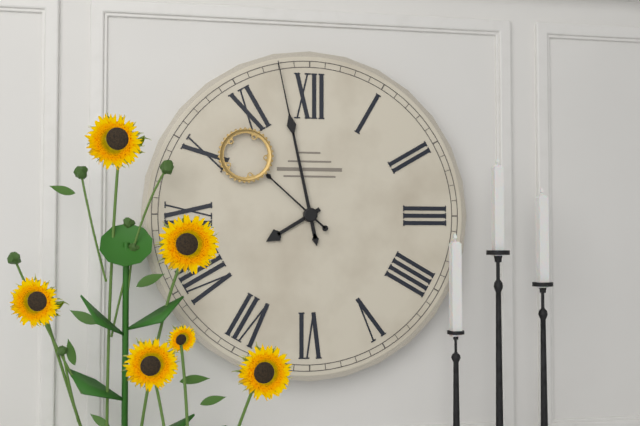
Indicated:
7 h 58 min 52 s
